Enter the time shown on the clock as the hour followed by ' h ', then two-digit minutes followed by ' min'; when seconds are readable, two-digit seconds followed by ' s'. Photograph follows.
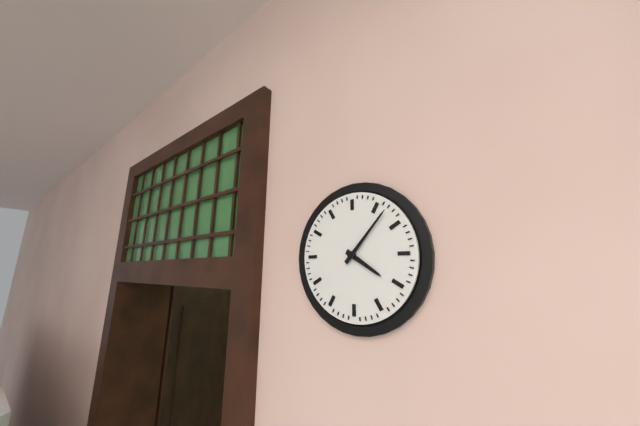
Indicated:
4 h 07 min
